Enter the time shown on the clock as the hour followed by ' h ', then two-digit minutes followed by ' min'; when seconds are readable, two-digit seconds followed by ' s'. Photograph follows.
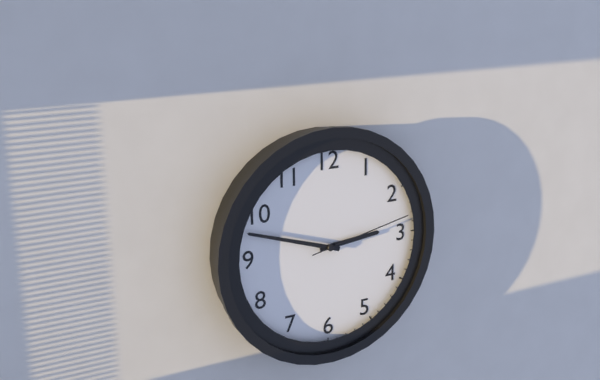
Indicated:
2 h 48 min 13 s
